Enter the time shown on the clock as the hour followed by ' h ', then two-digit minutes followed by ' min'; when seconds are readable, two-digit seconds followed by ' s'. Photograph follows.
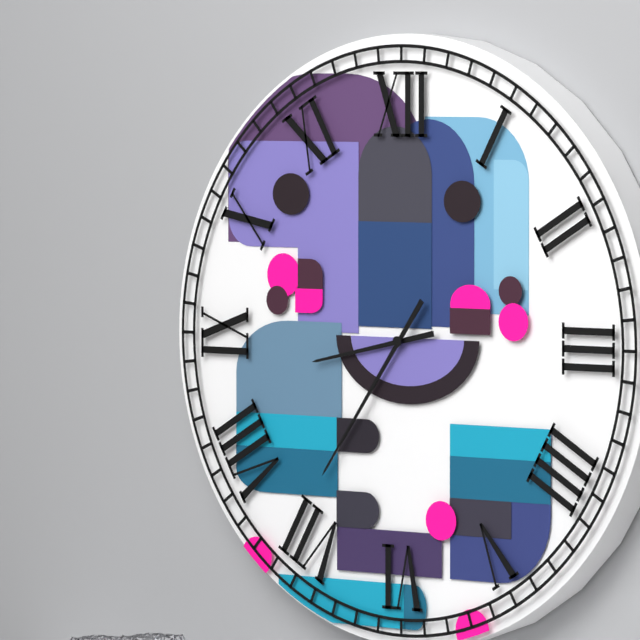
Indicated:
8 h 36 min
